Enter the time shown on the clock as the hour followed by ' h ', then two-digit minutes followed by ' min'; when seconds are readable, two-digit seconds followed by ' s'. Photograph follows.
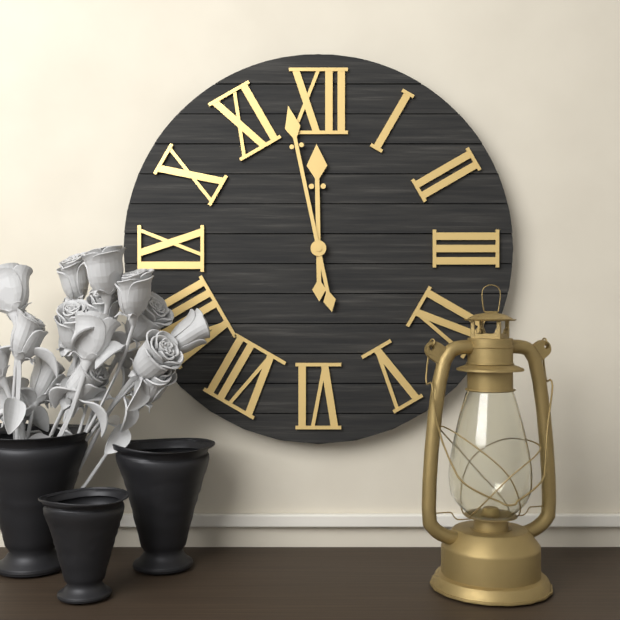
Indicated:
11 h 58 min
